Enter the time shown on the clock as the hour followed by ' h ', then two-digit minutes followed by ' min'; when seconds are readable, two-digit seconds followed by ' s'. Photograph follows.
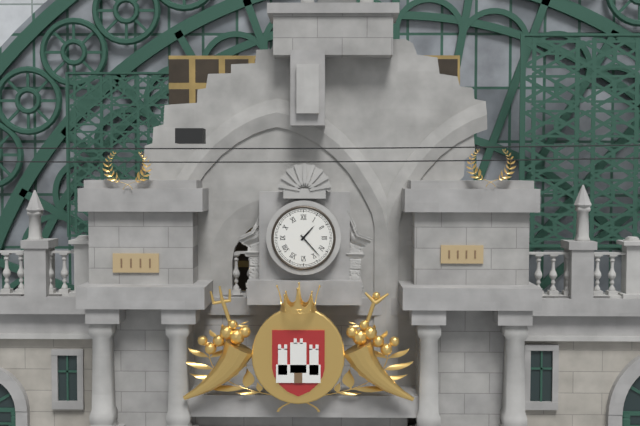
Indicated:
1 h 23 min
